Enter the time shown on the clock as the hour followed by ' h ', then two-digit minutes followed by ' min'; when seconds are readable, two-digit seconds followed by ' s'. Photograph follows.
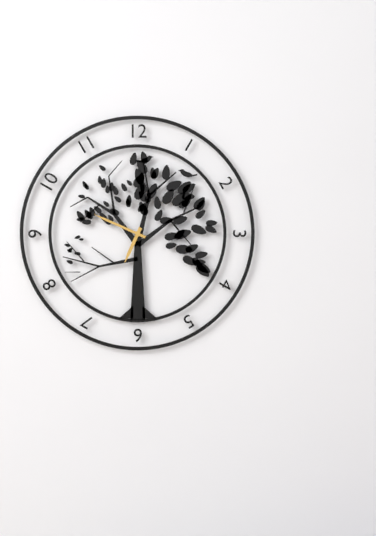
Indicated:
6 h 49 min
